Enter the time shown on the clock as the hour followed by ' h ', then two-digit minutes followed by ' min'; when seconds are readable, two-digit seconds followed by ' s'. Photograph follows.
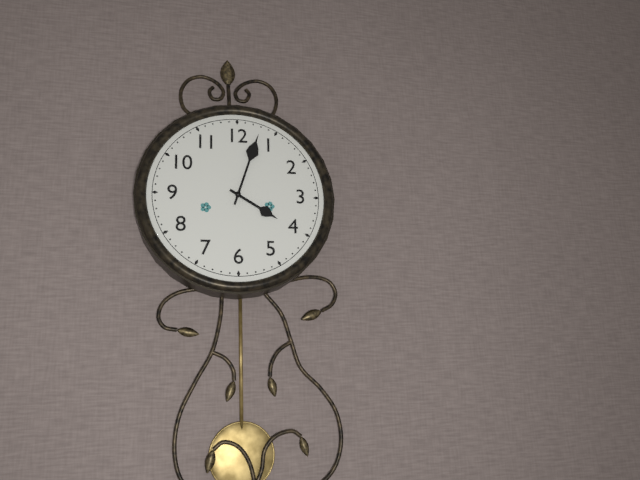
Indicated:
4 h 03 min
